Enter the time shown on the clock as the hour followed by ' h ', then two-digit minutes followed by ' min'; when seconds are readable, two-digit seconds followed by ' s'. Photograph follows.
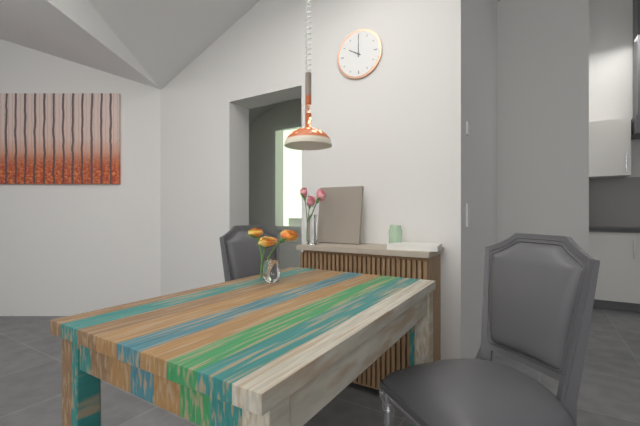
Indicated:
10 h 00 min
